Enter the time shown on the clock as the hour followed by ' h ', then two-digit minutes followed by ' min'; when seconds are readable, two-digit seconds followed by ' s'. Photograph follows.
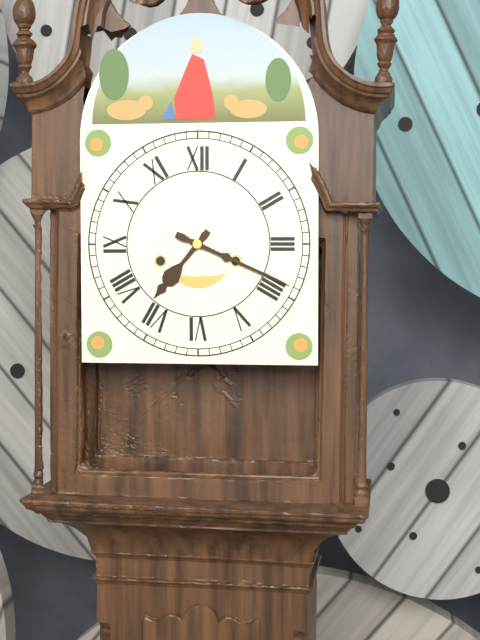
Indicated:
7 h 19 min
